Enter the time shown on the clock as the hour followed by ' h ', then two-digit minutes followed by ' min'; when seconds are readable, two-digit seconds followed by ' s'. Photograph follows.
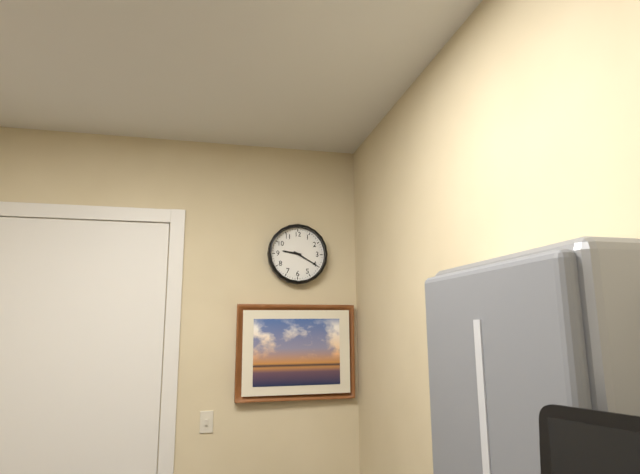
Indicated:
9 h 20 min
